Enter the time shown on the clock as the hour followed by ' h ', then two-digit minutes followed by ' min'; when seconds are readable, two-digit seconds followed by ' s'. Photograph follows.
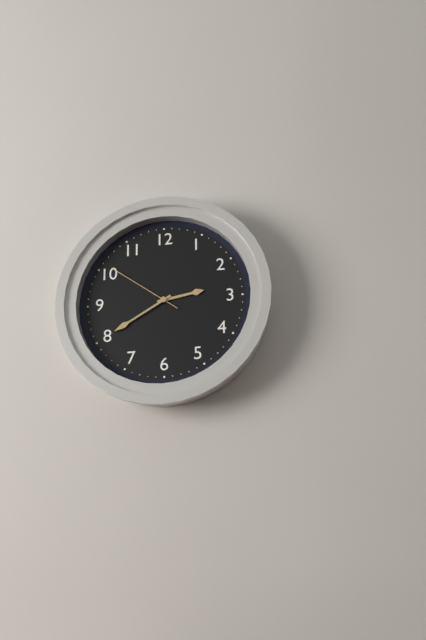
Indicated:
2 h 40 min 51 s
